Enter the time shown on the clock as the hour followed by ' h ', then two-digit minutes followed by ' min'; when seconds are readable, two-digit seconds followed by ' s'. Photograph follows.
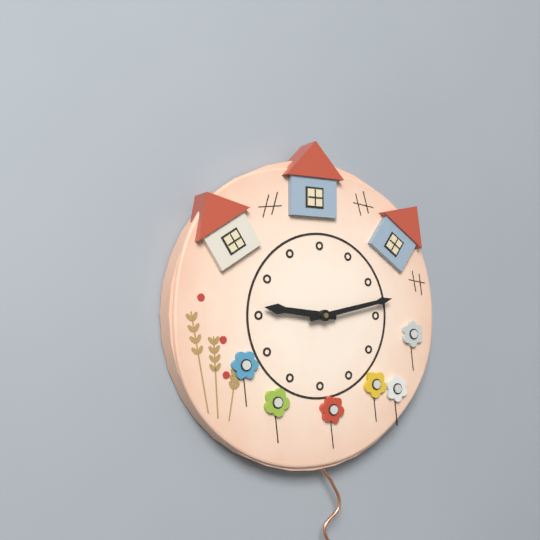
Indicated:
9 h 13 min
